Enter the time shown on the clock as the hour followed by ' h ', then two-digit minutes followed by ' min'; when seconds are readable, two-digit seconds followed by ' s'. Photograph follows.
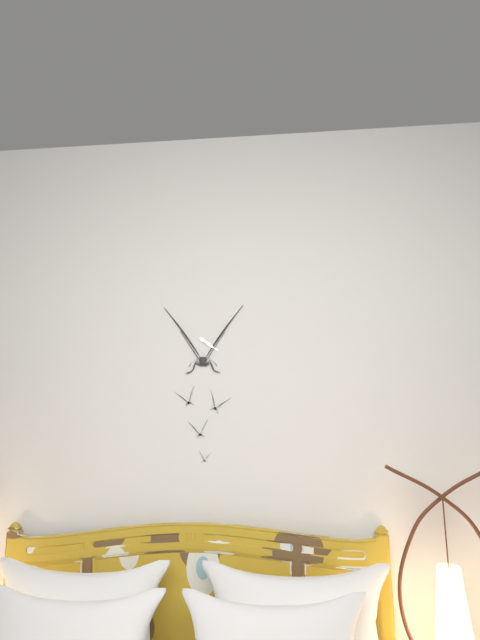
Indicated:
4 h 21 min
